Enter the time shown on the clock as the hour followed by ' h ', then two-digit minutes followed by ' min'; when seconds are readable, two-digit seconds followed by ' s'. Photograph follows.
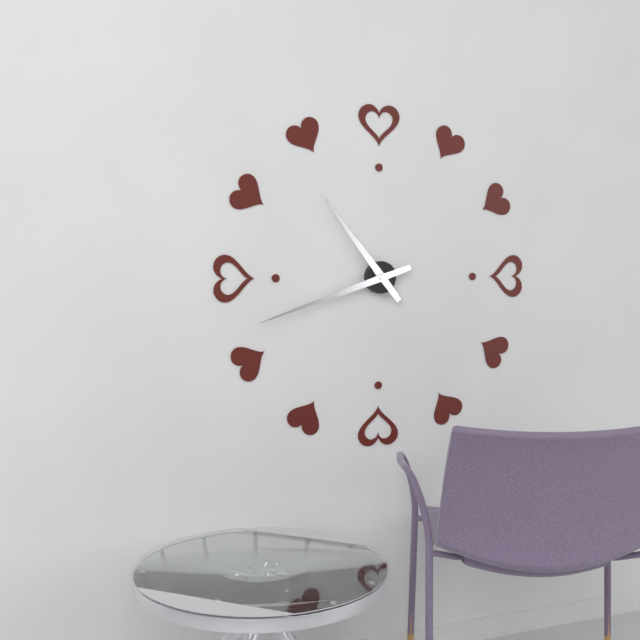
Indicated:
10 h 42 min
